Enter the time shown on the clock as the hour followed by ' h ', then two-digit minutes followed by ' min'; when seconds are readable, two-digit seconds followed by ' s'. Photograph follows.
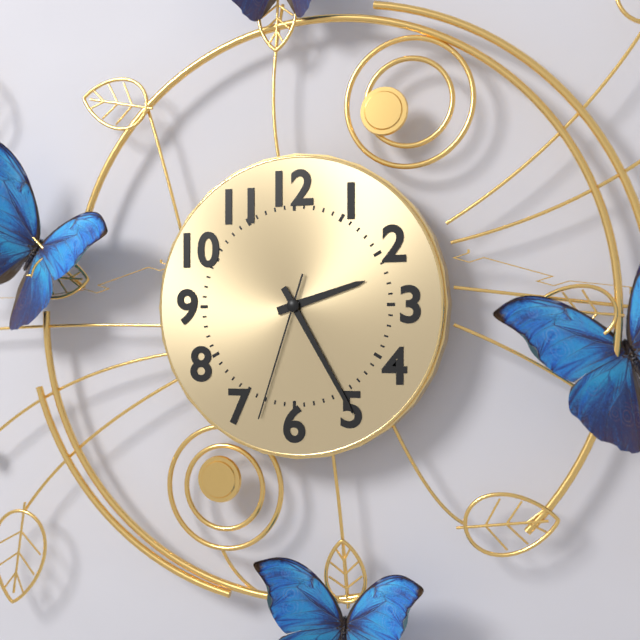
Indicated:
2 h 25 min 33 s
